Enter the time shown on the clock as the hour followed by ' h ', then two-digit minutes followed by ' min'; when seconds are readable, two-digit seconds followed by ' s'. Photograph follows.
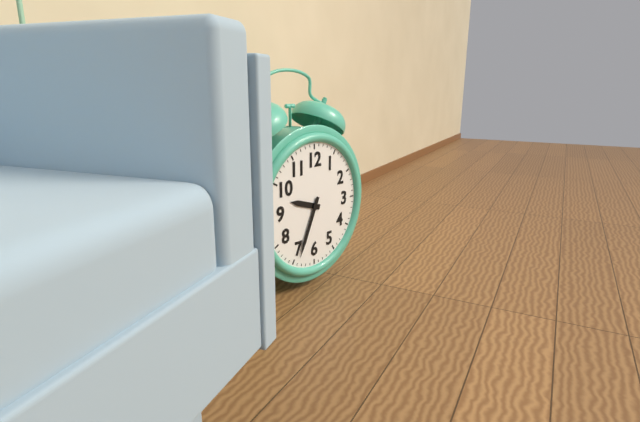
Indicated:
9 h 34 min
